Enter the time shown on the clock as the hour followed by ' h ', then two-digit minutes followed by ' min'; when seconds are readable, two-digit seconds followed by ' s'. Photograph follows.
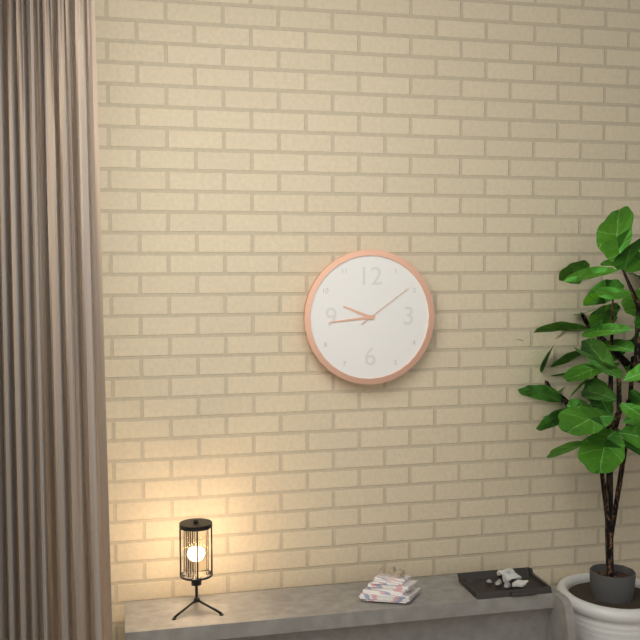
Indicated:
9 h 44 min 09 s
